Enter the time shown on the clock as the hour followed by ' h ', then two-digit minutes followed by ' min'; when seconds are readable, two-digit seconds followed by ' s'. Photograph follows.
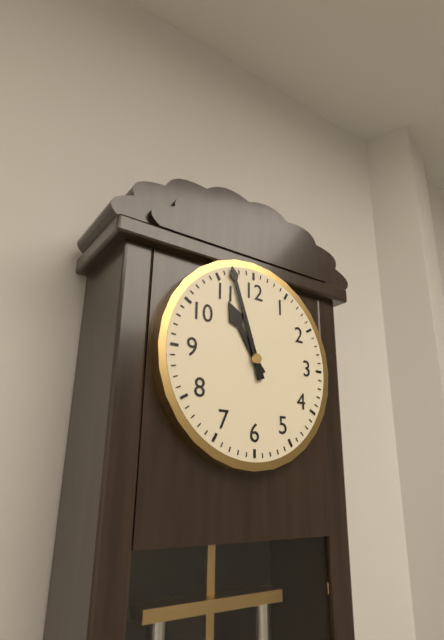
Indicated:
10 h 57 min
